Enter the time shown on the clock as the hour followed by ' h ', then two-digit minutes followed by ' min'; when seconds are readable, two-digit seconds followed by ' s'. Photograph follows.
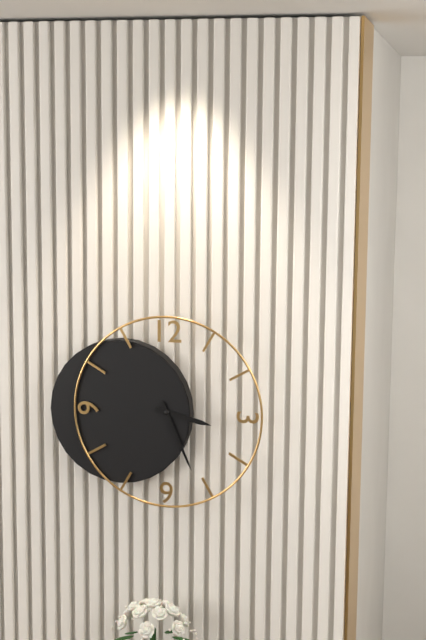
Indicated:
3 h 26 min
